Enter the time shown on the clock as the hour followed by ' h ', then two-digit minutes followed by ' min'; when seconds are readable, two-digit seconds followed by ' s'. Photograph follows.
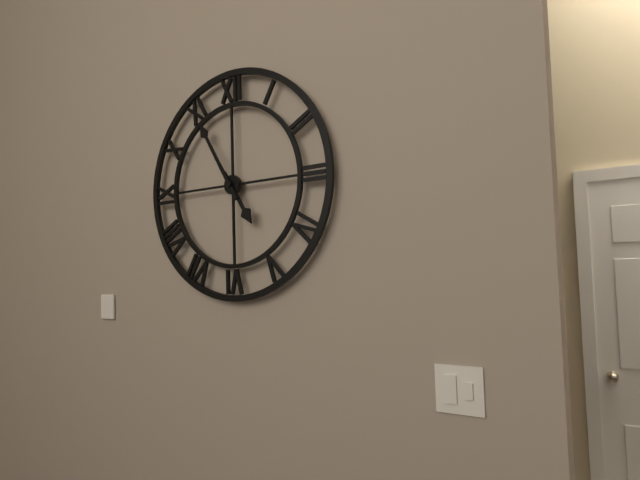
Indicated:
4 h 55 min
